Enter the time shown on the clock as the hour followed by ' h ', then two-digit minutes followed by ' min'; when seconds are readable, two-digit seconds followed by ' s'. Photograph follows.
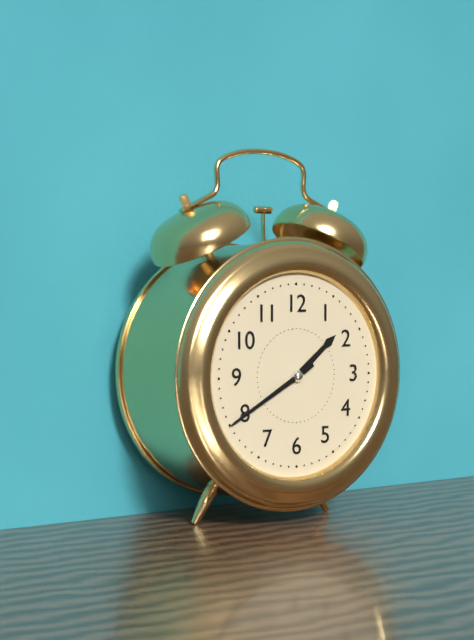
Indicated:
1 h 40 min
